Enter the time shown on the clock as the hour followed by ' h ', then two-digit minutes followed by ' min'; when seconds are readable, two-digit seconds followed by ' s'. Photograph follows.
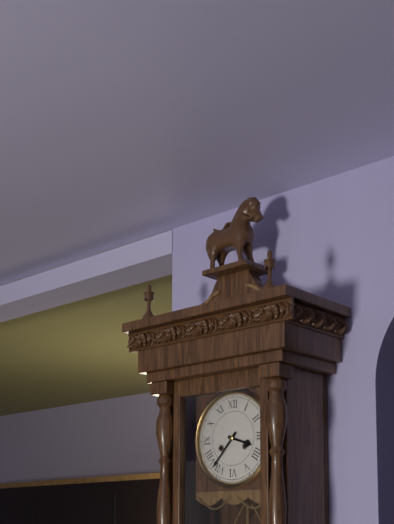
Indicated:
3 h 37 min
